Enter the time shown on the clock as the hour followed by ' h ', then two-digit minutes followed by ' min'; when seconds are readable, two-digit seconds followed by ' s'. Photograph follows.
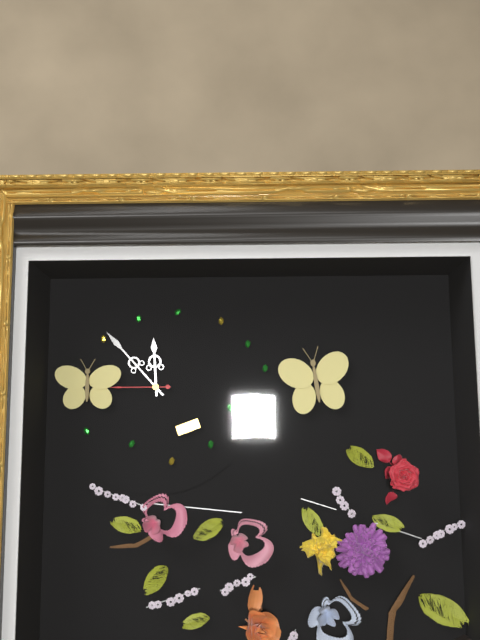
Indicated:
11 h 53 min 45 s
